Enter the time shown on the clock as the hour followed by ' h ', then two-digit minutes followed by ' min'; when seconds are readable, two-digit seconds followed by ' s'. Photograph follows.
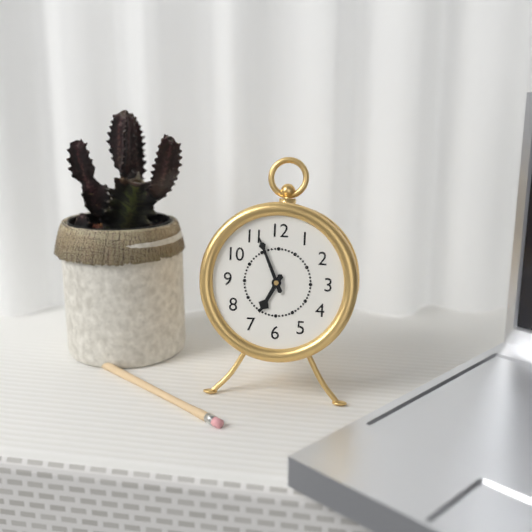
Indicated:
6 h 56 min
